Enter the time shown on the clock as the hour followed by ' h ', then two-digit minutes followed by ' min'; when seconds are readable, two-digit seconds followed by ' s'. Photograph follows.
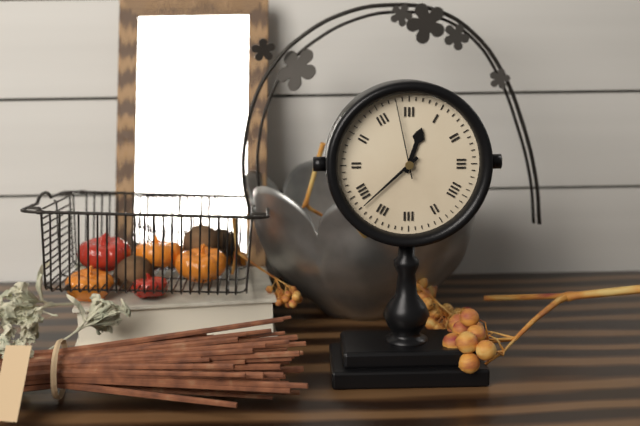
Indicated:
12 h 38 min 58 s
